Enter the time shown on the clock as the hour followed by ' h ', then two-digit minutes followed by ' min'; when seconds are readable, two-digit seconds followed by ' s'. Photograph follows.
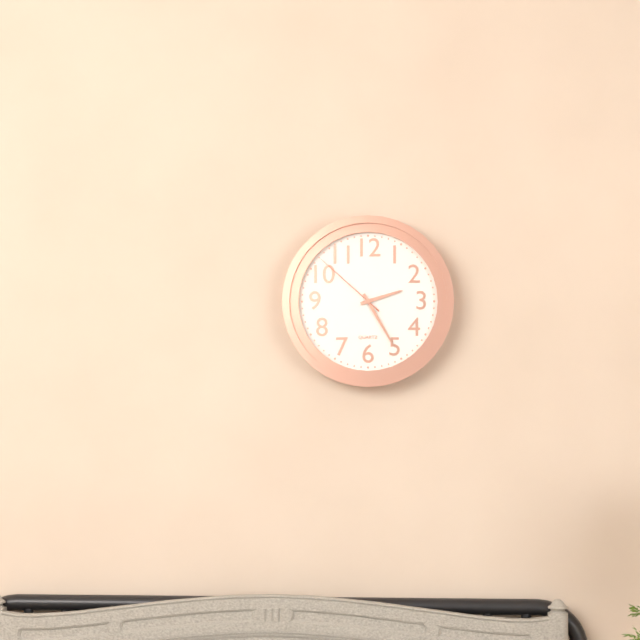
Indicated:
2 h 25 min 52 s
